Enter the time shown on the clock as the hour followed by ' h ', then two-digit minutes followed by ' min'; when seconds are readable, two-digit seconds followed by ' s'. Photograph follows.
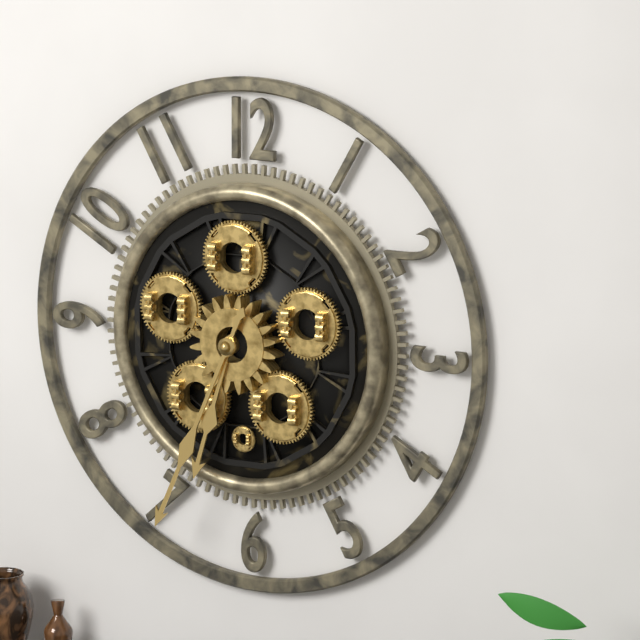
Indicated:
6 h 34 min
